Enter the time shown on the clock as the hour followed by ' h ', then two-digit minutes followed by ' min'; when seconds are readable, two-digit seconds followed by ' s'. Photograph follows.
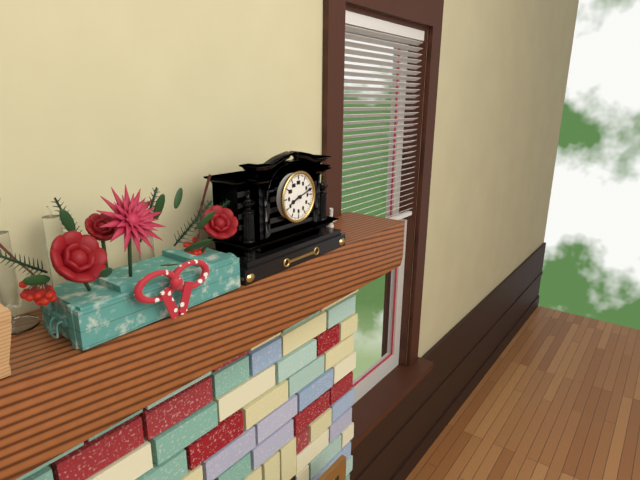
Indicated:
8 h 12 min
